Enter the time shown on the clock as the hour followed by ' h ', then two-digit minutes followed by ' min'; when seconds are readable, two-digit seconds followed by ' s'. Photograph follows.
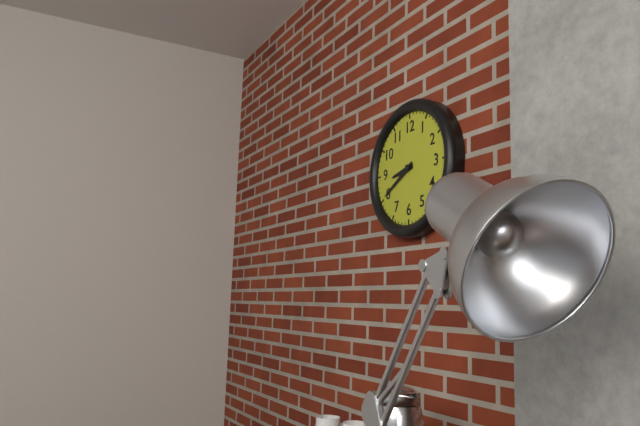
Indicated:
8 h 40 min
